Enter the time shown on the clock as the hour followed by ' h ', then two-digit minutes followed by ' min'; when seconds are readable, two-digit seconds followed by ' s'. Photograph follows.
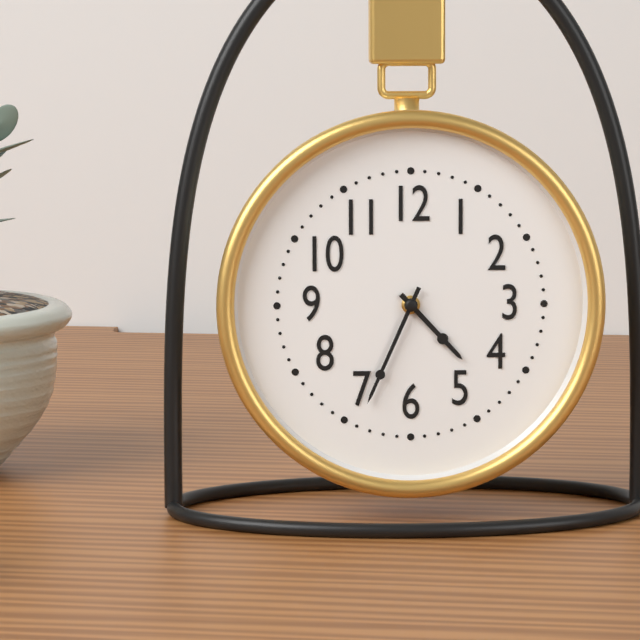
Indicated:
4 h 34 min
